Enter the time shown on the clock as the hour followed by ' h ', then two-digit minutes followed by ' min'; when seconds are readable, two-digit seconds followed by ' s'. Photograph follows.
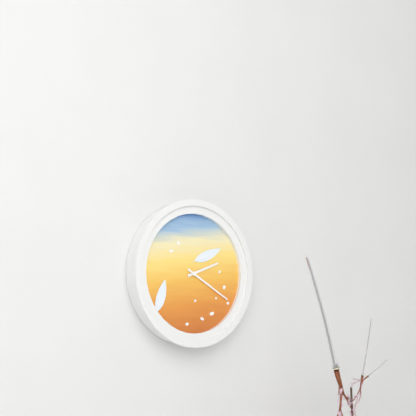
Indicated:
2 h 20 min
